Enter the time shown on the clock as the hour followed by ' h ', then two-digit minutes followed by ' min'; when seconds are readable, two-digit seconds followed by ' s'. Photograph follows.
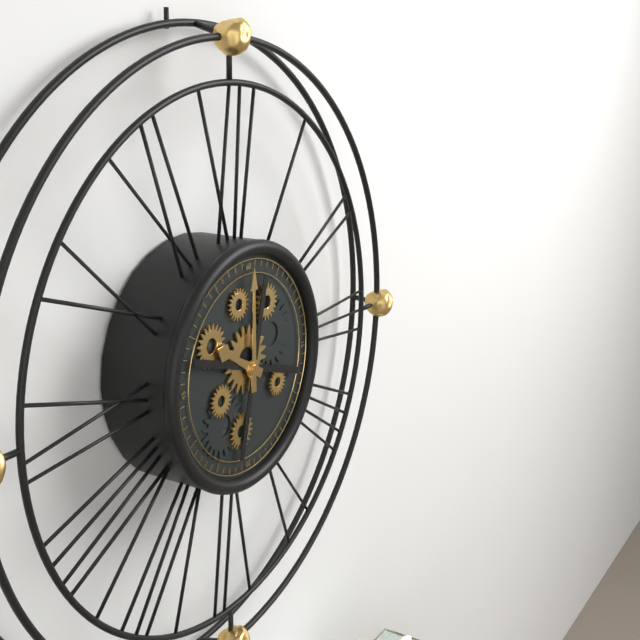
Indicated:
10 h 00 min
